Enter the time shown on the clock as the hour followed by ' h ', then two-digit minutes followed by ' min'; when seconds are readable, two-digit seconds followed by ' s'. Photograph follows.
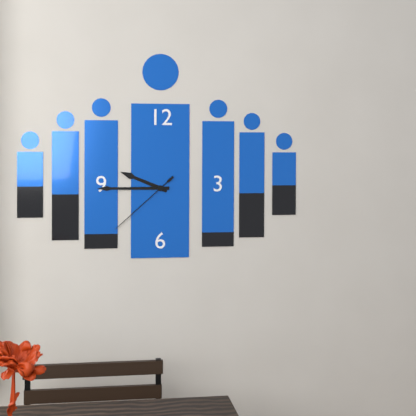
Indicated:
9 h 45 min 38 s
